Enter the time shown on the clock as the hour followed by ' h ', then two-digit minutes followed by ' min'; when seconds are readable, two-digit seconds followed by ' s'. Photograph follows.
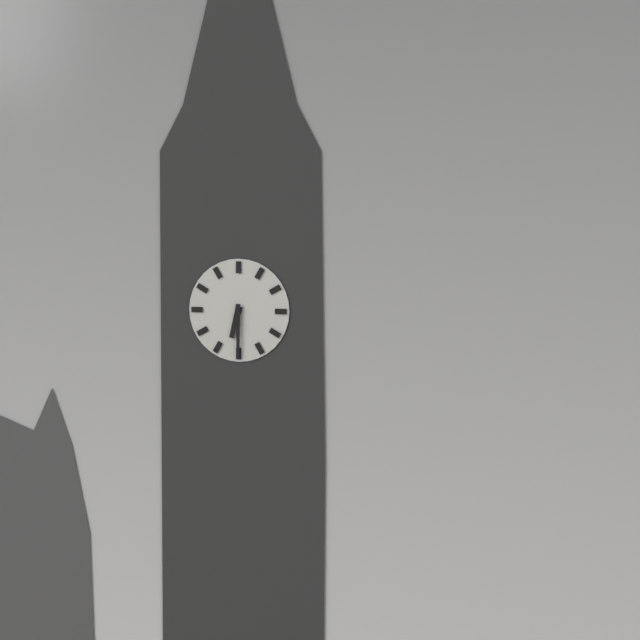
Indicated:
6 h 30 min
